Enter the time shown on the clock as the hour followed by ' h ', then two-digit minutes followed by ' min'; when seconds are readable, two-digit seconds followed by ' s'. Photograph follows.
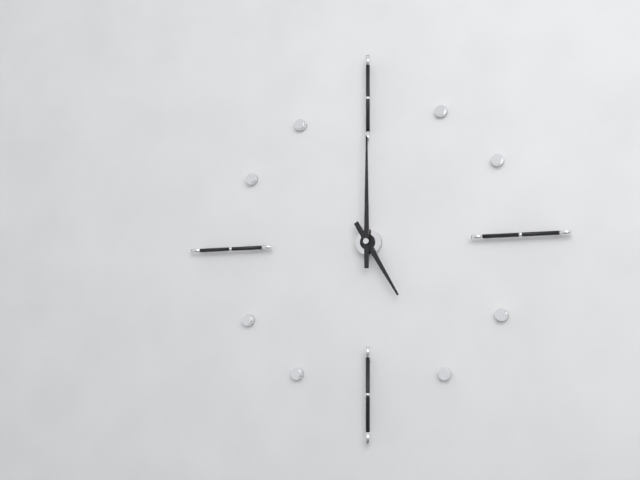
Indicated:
5 h 00 min
